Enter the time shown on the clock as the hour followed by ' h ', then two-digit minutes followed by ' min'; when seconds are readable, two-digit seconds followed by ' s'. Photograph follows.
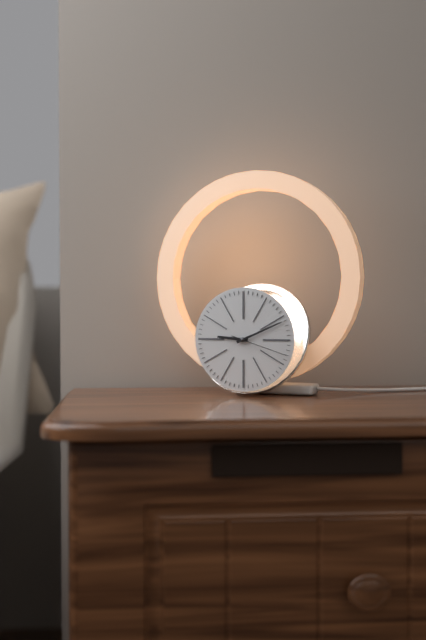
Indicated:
9 h 11 min 18 s
